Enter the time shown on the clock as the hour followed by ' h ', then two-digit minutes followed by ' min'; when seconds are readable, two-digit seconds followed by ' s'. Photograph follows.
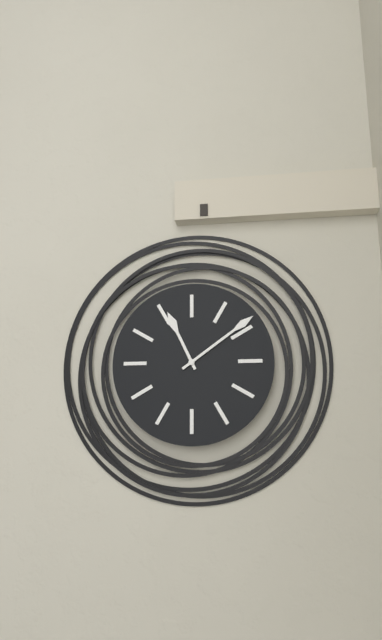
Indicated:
11 h 09 min
